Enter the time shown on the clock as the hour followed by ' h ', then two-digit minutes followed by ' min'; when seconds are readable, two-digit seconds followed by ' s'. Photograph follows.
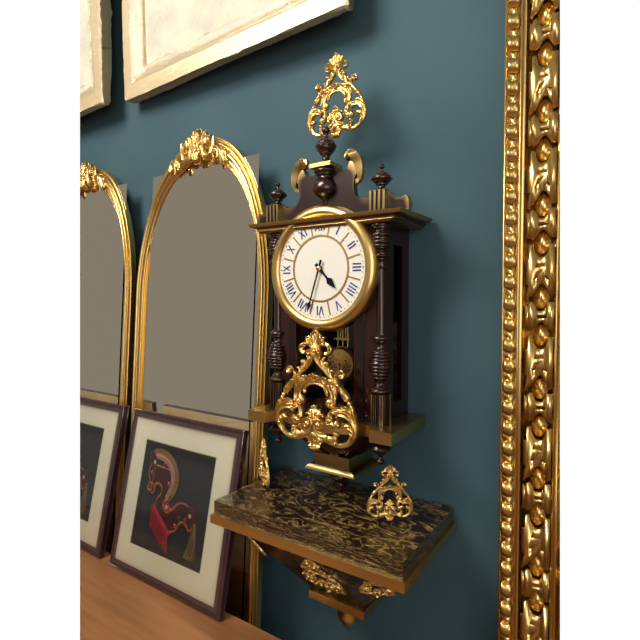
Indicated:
4 h 33 min
